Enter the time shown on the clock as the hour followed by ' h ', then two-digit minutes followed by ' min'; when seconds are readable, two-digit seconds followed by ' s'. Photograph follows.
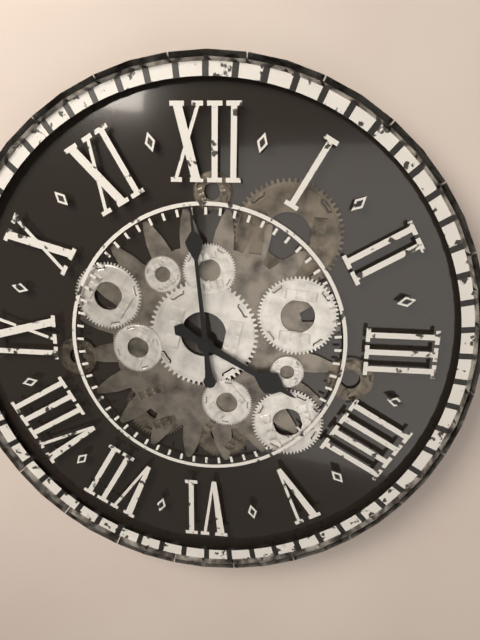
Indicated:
3 h 59 min
